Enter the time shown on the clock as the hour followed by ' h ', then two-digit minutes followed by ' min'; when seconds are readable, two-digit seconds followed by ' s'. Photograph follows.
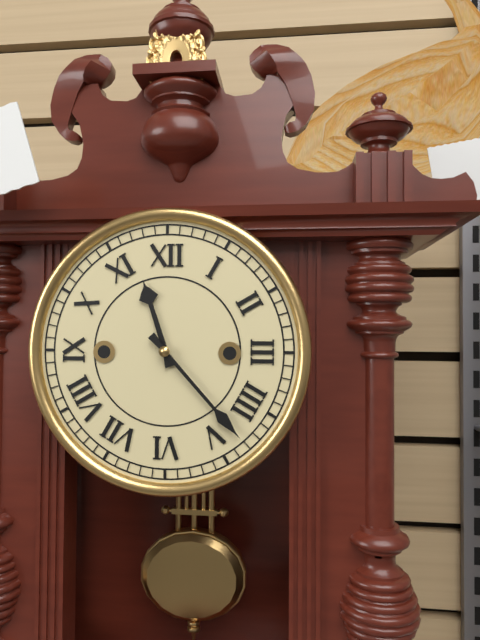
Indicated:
11 h 23 min
